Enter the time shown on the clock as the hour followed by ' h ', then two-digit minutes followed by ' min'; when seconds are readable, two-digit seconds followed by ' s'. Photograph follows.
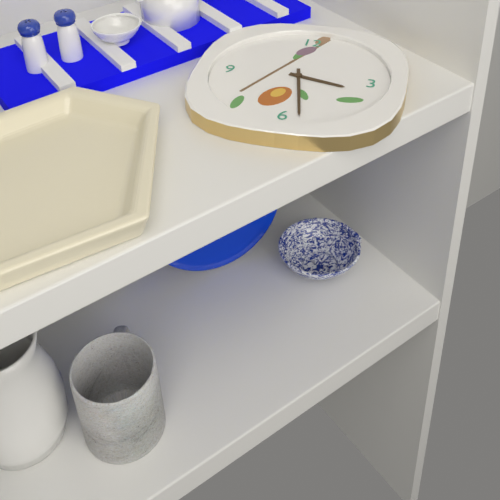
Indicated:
3 h 28 min
